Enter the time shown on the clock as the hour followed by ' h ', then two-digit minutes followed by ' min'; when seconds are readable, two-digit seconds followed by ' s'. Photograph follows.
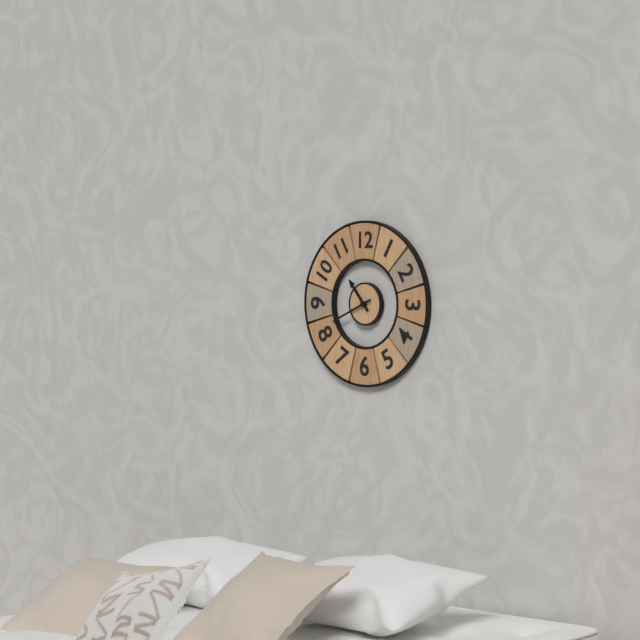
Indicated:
10 h 41 min
